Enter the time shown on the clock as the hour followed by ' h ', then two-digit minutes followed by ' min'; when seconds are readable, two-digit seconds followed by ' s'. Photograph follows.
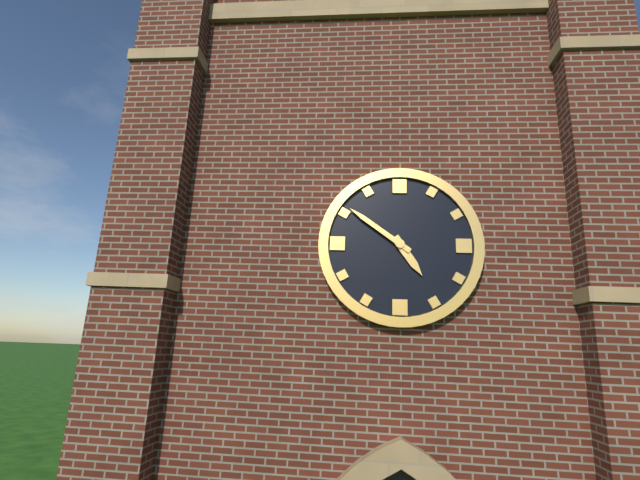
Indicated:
4 h 51 min
